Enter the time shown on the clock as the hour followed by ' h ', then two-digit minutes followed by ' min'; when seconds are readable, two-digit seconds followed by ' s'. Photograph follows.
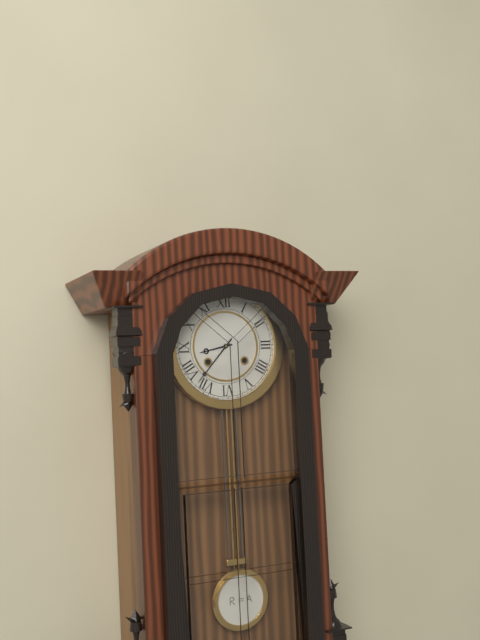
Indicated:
8 h 37 min
